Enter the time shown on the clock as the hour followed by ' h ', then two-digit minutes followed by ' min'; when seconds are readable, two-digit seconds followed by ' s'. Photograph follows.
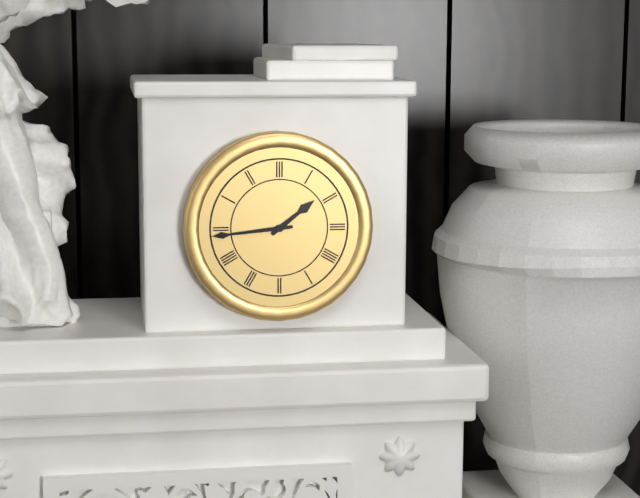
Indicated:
1 h 44 min
